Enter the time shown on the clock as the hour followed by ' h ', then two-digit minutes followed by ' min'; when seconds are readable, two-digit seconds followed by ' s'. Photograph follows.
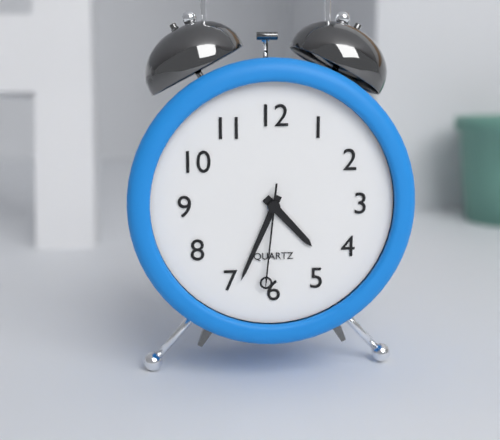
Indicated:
4 h 34 min 31 s
